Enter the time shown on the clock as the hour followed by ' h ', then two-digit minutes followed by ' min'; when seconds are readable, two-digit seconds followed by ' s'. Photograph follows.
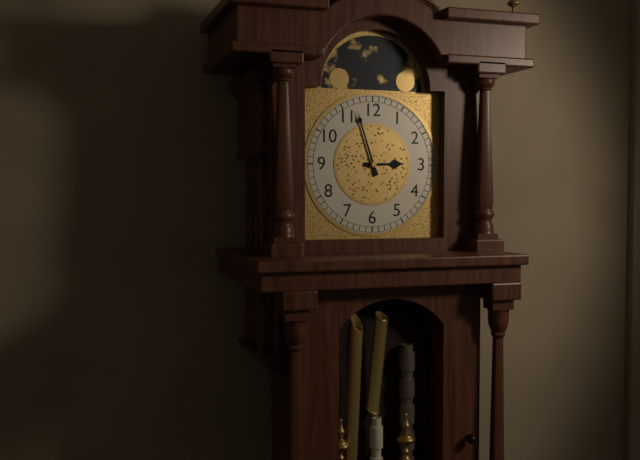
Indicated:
2 h 57 min
